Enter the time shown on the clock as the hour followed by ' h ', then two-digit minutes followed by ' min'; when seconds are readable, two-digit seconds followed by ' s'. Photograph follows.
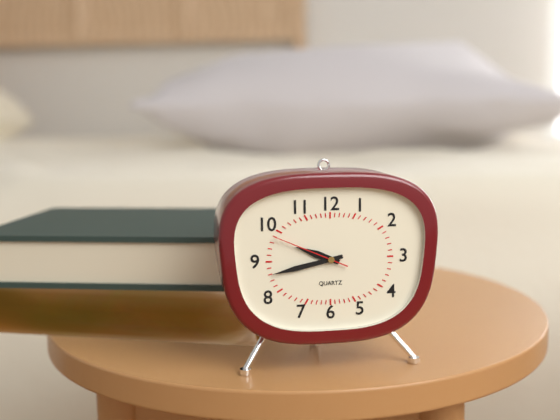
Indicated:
9 h 43 min 49 s
